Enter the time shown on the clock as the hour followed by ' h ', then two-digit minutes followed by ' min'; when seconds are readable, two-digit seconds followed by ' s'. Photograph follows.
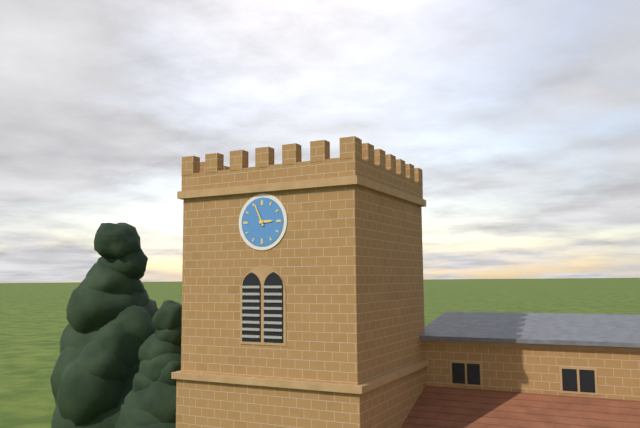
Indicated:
2 h 56 min
